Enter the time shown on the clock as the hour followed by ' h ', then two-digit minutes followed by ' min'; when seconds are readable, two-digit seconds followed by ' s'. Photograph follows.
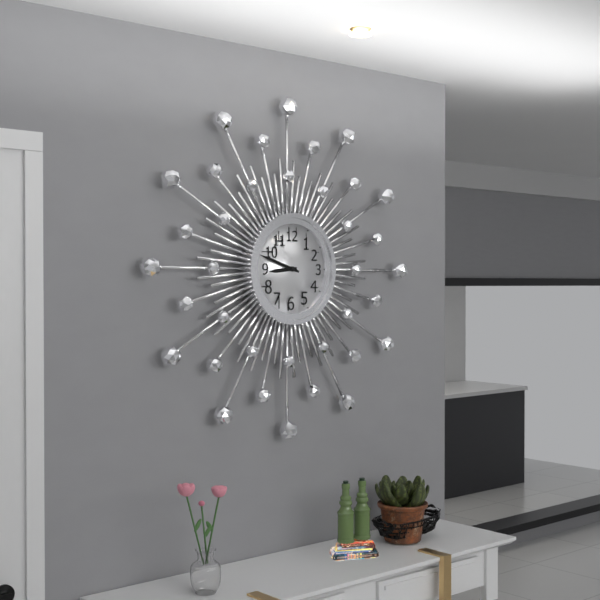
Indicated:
8 h 48 min
